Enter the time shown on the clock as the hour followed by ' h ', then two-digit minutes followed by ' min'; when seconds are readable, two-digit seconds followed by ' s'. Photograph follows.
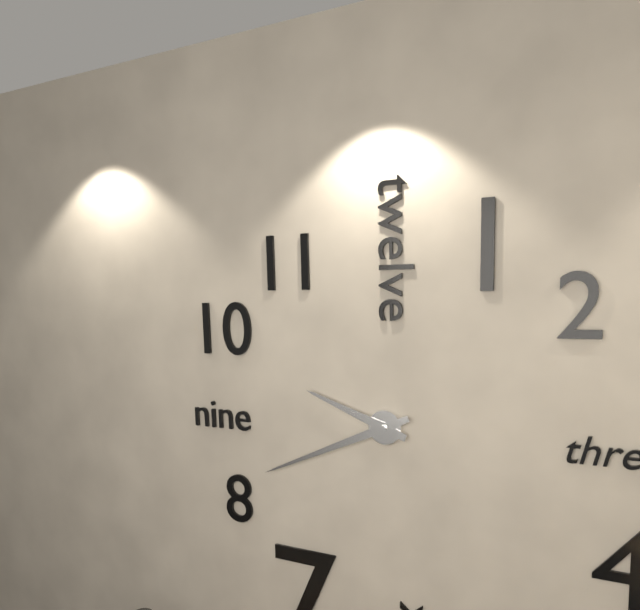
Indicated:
9 h 41 min
